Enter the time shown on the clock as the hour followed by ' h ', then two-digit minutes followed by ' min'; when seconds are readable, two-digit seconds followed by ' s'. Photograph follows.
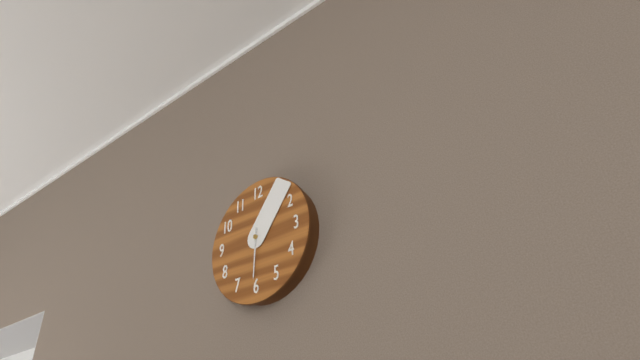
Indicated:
6 h 06 min
